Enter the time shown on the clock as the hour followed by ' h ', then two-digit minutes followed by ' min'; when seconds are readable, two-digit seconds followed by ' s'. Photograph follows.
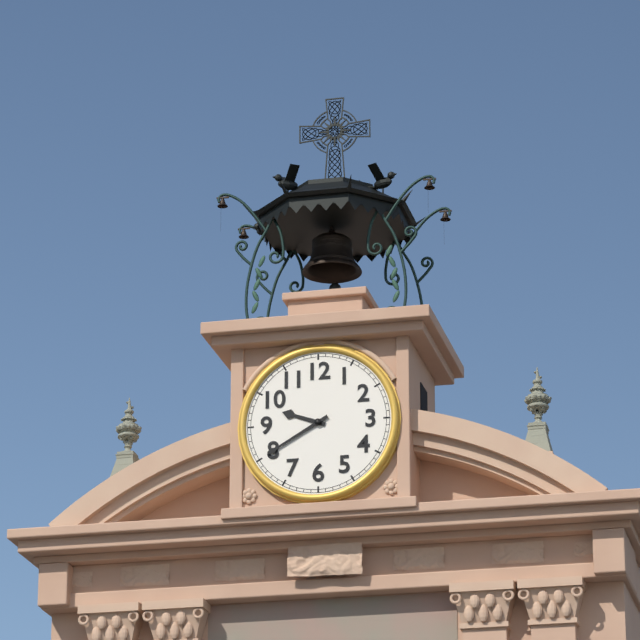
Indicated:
9 h 40 min
